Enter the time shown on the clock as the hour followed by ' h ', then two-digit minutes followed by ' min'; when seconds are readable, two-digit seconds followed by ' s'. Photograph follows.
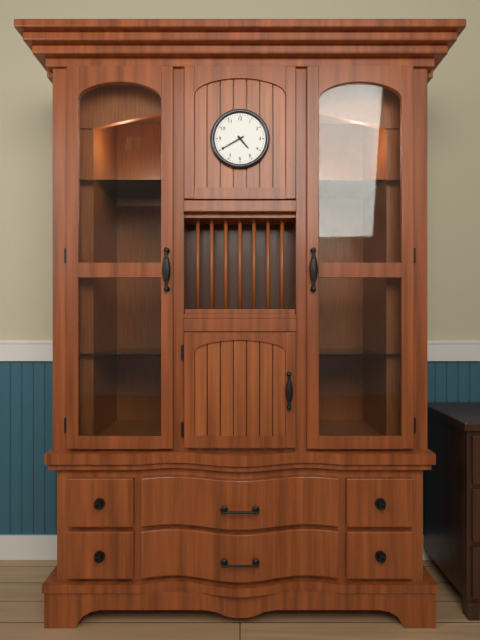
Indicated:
4 h 40 min
